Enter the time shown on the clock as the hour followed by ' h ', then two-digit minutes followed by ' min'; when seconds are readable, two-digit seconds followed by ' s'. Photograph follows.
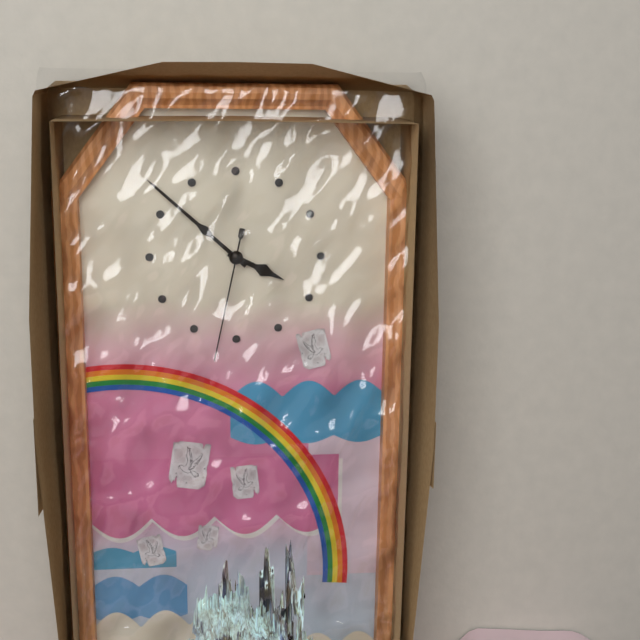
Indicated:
3 h 52 min 32 s
